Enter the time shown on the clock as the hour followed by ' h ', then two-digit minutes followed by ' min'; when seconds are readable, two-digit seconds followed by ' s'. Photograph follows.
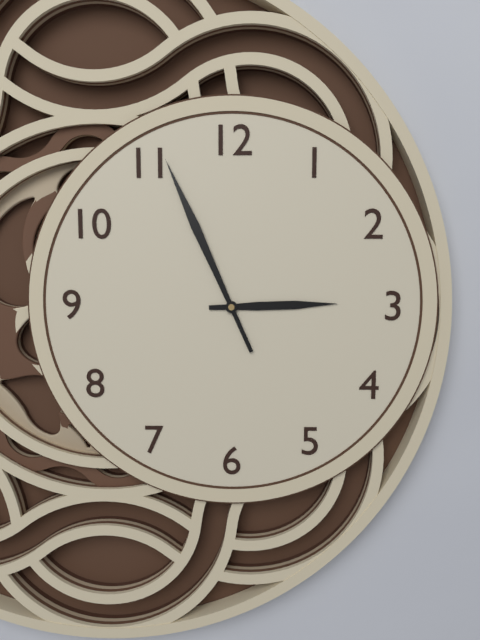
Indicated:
2 h 56 min
